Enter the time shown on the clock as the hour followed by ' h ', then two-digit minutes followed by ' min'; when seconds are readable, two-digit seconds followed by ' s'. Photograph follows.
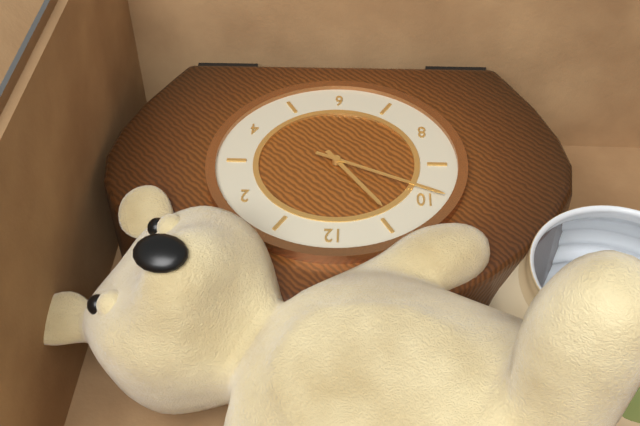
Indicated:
10 h 49 min
